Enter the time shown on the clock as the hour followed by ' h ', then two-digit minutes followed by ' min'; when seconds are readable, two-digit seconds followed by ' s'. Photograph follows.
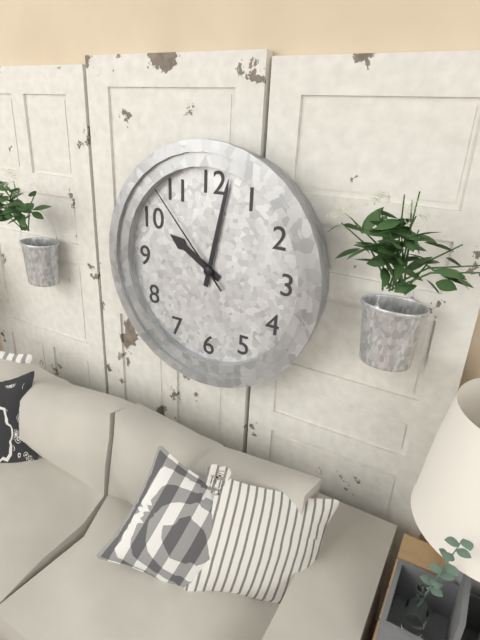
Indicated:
10 h 02 min 53 s
